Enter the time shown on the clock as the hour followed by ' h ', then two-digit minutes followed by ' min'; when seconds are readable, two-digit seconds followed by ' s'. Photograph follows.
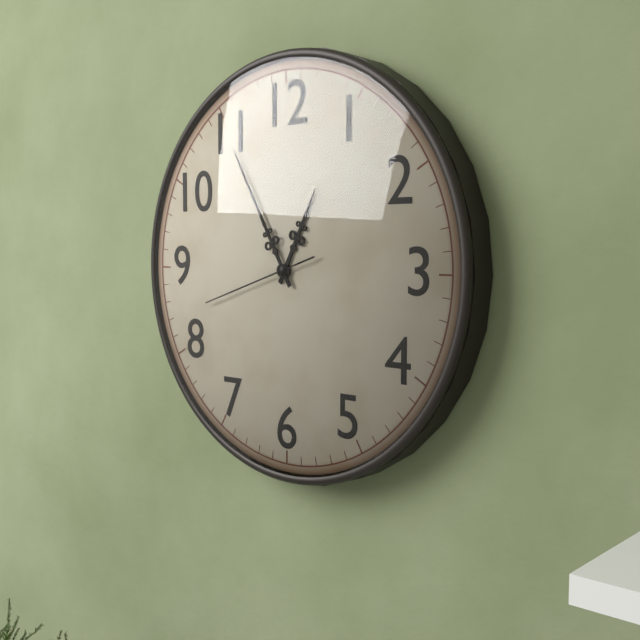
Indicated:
12 h 55 min 42 s
